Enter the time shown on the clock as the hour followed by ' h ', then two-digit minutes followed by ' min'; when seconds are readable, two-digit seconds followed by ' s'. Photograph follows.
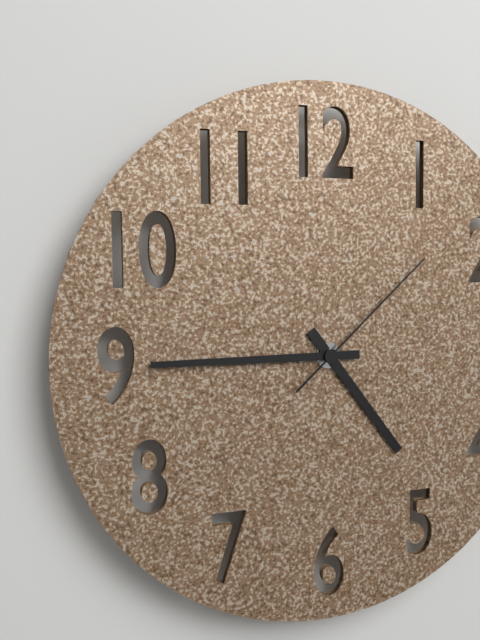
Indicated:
4 h 45 min 08 s
